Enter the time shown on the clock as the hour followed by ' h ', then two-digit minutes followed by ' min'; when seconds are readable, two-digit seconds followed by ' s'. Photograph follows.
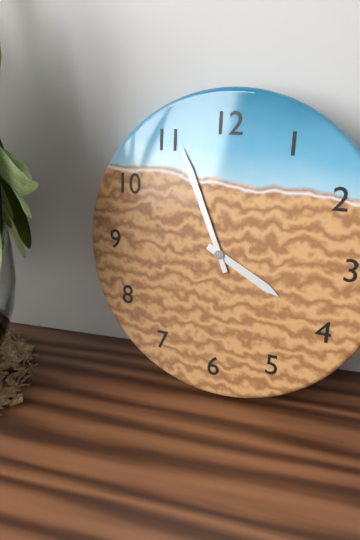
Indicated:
3 h 56 min
